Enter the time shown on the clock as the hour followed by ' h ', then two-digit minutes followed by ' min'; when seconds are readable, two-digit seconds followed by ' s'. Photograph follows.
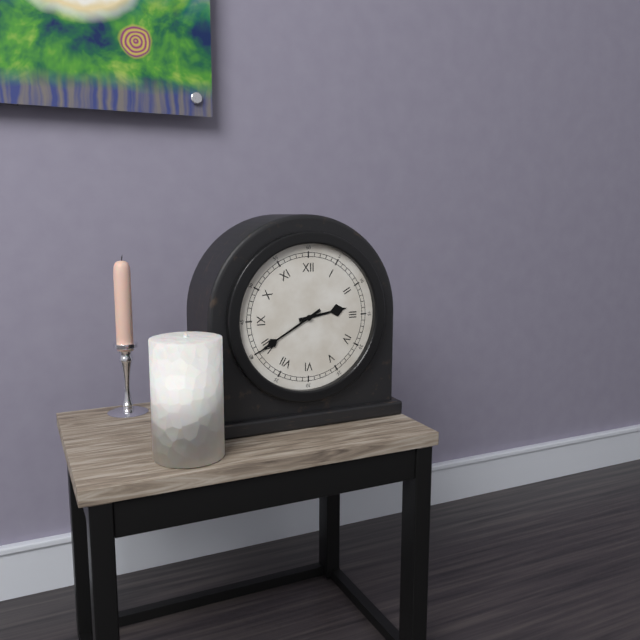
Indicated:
2 h 40 min
